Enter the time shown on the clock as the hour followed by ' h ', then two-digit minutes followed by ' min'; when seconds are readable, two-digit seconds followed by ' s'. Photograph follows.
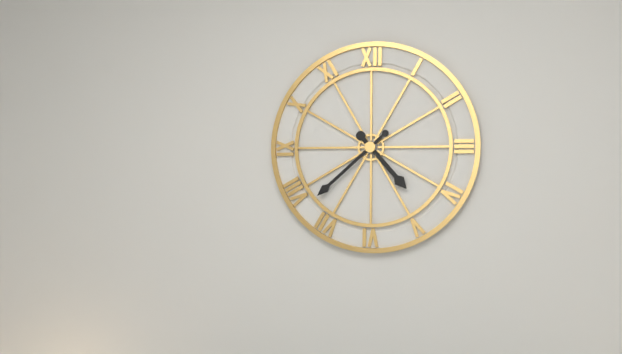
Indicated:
4 h 38 min
